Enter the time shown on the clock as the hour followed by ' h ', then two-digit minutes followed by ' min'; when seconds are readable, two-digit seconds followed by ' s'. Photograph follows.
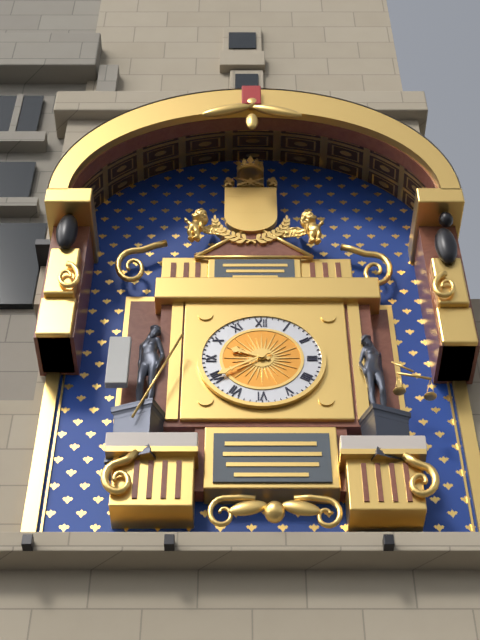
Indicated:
9 h 40 min
